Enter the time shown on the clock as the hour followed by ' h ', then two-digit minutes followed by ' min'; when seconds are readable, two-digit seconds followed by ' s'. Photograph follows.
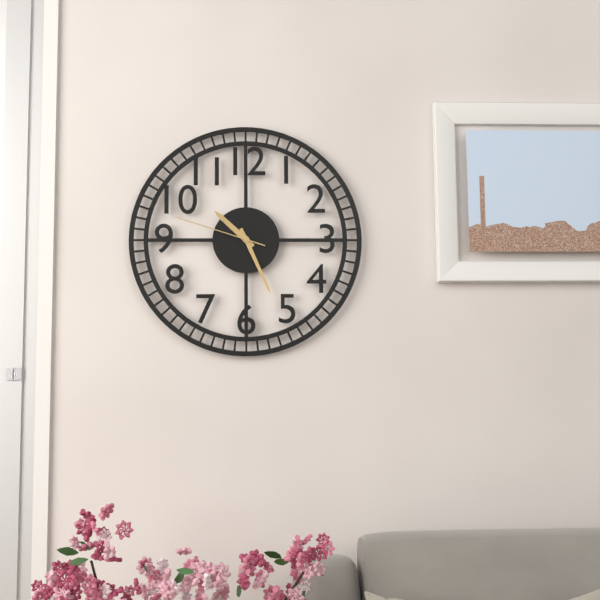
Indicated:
10 h 26 min 48 s
